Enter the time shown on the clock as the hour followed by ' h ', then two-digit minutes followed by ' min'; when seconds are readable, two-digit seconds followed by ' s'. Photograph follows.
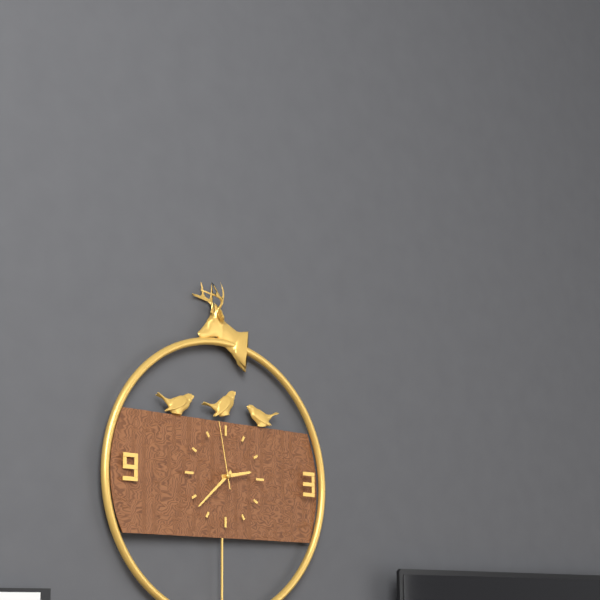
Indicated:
2 h 38 min 58 s
